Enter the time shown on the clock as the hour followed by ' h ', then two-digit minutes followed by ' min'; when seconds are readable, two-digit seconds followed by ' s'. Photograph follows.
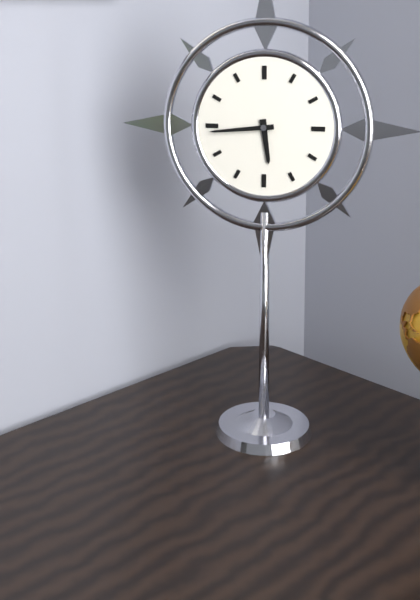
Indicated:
5 h 44 min
